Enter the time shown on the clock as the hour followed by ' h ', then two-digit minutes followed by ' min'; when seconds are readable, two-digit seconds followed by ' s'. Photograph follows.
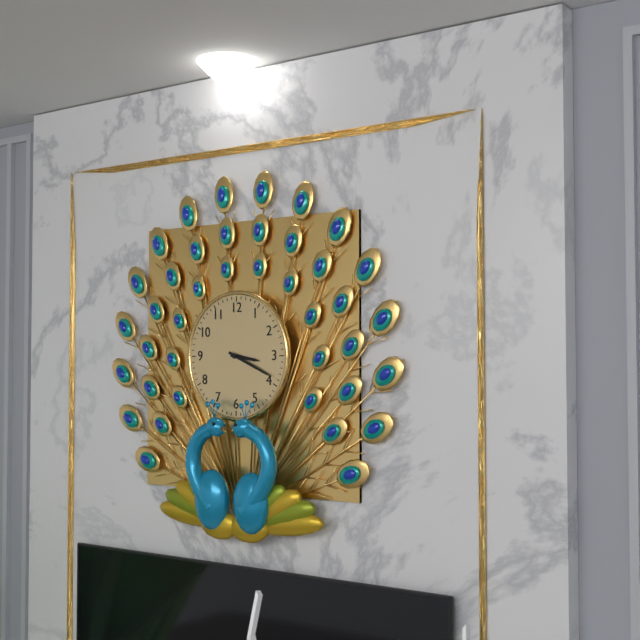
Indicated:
3 h 19 min
